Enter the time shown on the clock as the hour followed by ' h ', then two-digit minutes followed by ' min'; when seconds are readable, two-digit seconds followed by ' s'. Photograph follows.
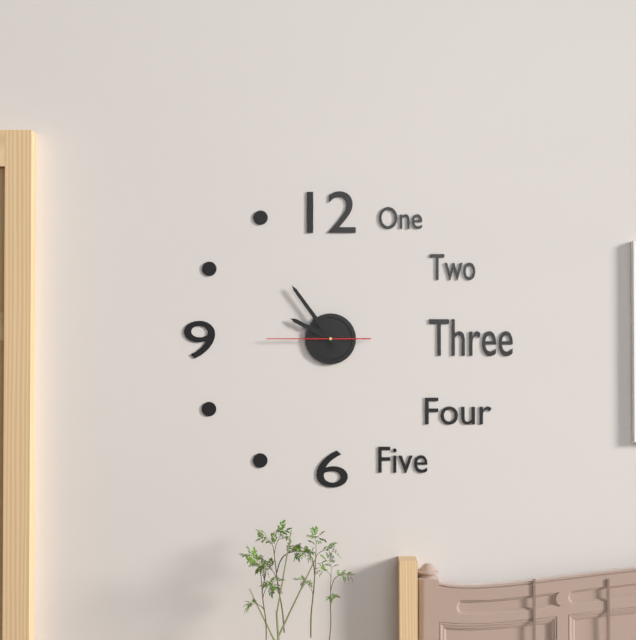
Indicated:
9 h 54 min 45 s
